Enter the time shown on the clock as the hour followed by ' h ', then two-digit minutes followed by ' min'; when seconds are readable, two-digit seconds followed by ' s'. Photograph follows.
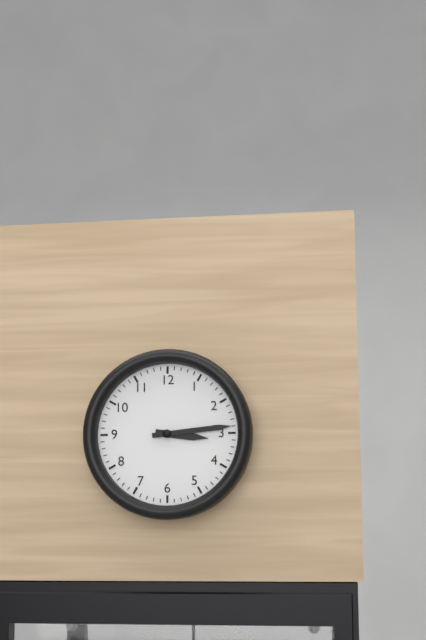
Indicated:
3 h 14 min
